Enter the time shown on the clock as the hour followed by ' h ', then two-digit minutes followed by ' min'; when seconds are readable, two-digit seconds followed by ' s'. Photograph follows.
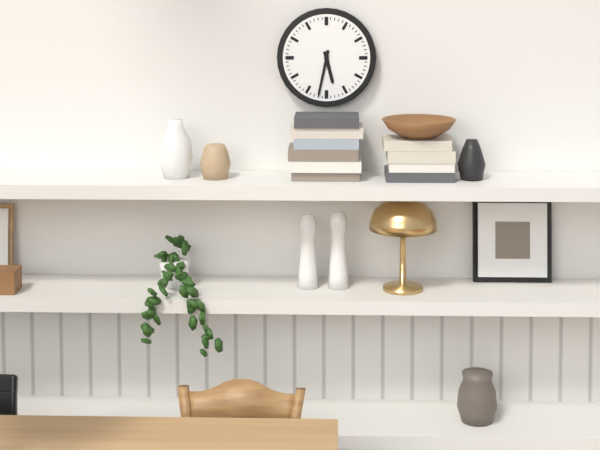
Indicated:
5 h 32 min
